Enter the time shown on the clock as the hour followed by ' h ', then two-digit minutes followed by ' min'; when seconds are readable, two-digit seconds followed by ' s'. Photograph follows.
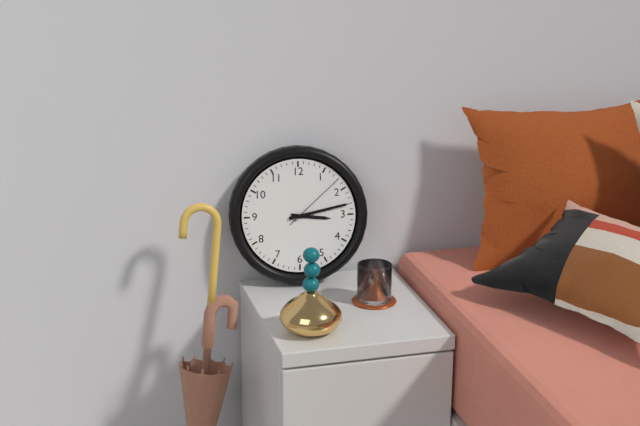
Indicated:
3 h 13 min 08 s
